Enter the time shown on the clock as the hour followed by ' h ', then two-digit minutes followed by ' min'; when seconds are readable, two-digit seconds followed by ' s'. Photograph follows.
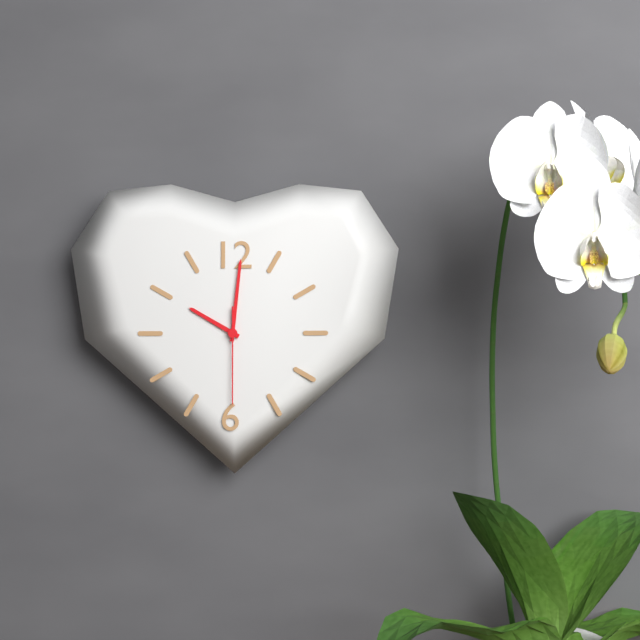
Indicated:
10 h 01 min 30 s
